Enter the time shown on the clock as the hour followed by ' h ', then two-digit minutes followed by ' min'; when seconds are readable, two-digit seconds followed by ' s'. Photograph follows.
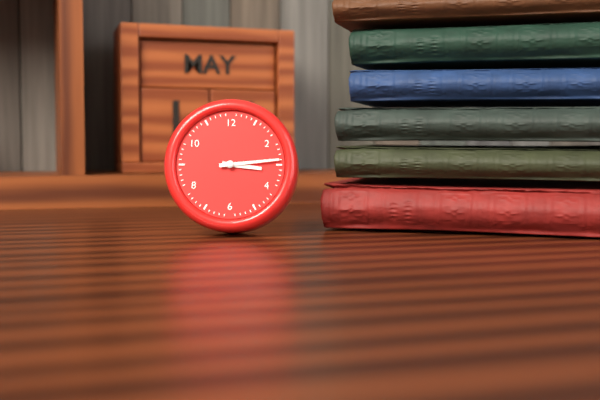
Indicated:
3 h 14 min
